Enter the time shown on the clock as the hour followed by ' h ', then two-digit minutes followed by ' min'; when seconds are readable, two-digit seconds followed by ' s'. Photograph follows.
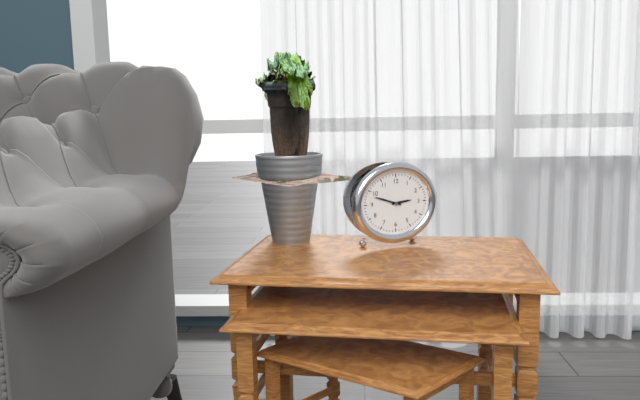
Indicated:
2 h 48 min
